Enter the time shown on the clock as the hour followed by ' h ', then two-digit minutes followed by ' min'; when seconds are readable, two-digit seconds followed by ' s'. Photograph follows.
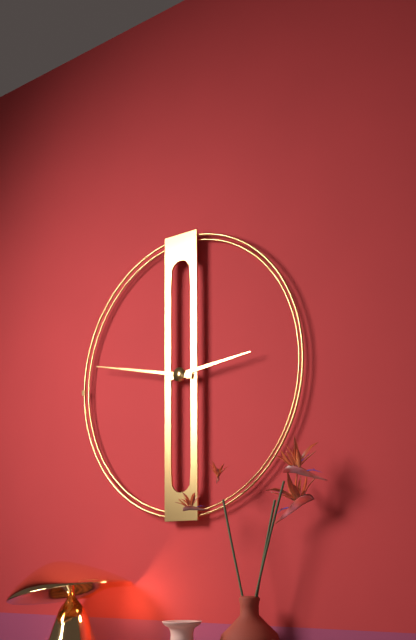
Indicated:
2 h 47 min
